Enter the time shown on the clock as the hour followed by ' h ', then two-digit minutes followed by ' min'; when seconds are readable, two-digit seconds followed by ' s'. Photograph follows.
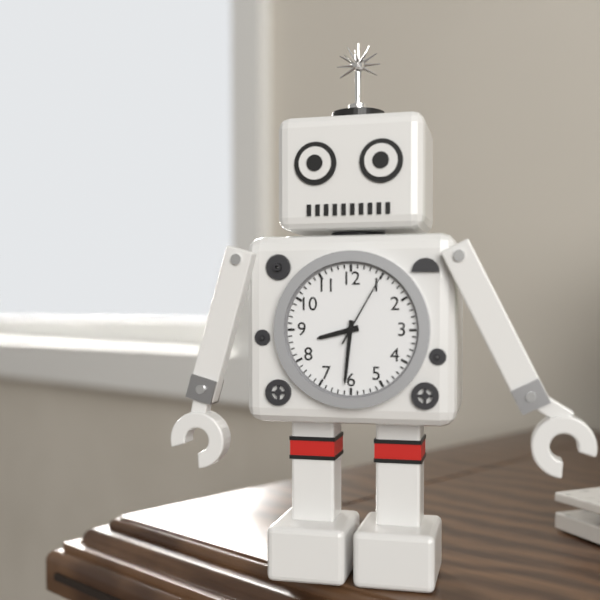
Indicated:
8 h 31 min 05 s
